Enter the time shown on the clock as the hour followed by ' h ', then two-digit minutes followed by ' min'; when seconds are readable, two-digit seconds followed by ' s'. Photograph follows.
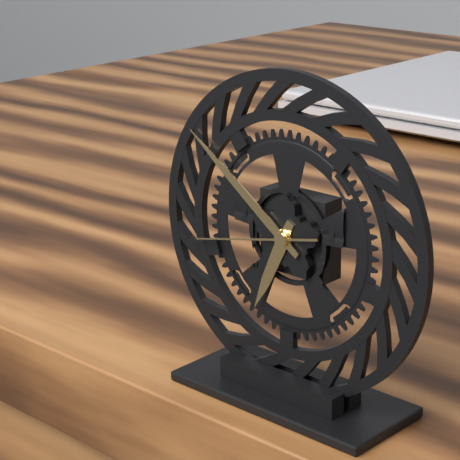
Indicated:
6 h 51 min 43 s
